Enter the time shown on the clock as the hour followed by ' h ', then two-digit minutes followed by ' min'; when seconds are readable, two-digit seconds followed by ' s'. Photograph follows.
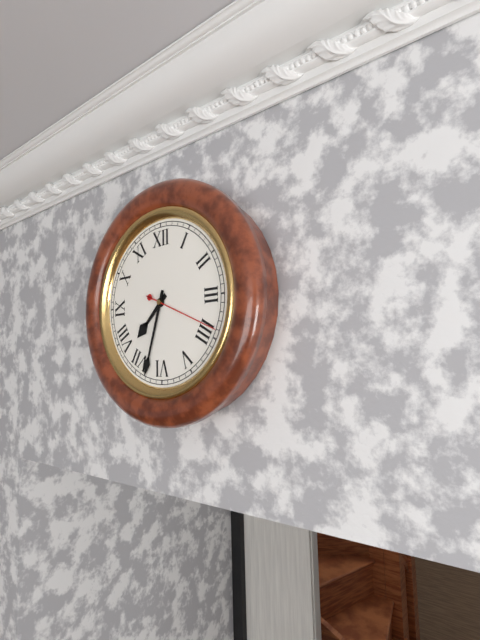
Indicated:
7 h 33 min 19 s
